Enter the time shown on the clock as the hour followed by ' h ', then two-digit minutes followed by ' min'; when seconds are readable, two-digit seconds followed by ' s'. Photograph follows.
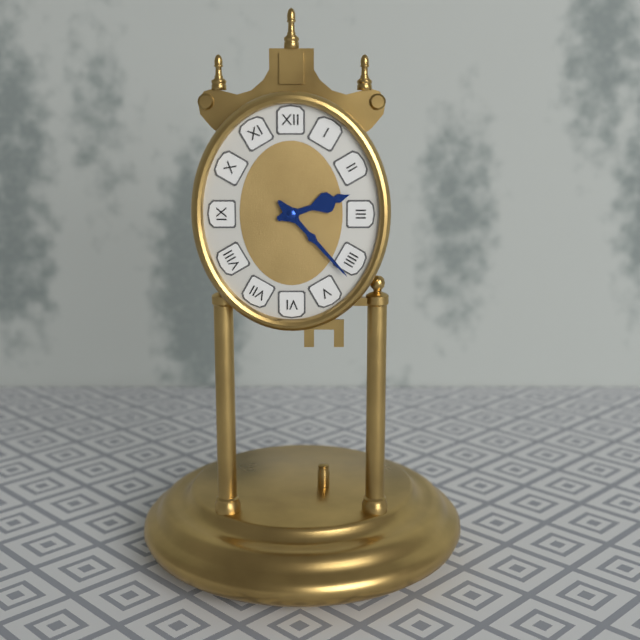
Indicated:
2 h 23 min
